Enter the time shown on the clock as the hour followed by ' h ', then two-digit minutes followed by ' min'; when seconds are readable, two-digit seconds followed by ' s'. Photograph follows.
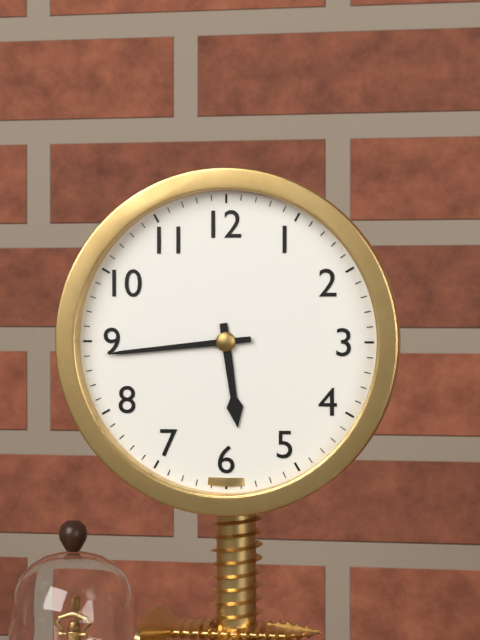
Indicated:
5 h 44 min
